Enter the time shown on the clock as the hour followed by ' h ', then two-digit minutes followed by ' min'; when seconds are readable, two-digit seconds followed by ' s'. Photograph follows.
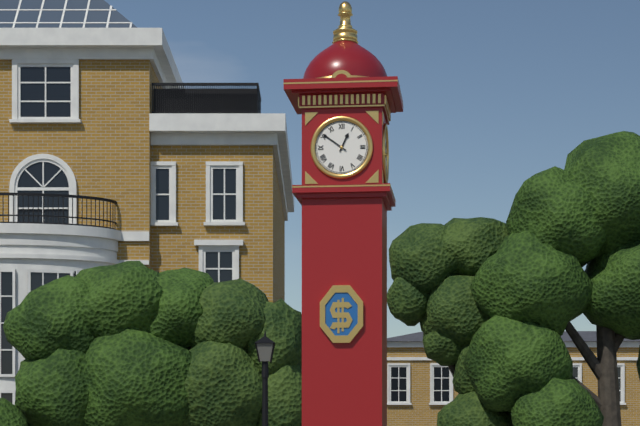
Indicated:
12 h 51 min
